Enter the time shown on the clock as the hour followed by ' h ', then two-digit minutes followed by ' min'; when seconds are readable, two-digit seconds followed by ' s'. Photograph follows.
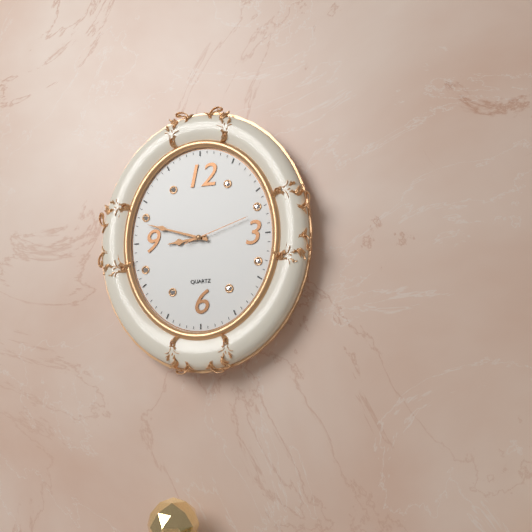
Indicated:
8 h 48 min 12 s
